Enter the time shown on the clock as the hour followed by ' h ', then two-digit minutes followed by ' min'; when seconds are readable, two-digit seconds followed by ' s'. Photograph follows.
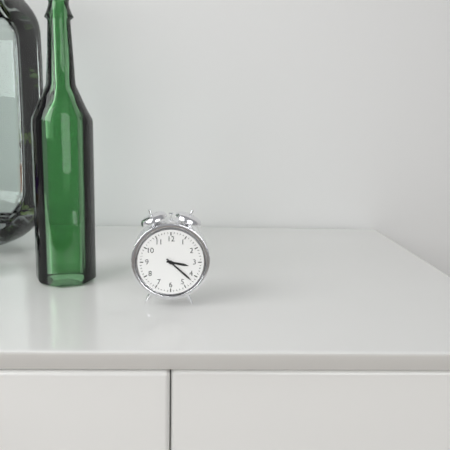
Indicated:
3 h 22 min
